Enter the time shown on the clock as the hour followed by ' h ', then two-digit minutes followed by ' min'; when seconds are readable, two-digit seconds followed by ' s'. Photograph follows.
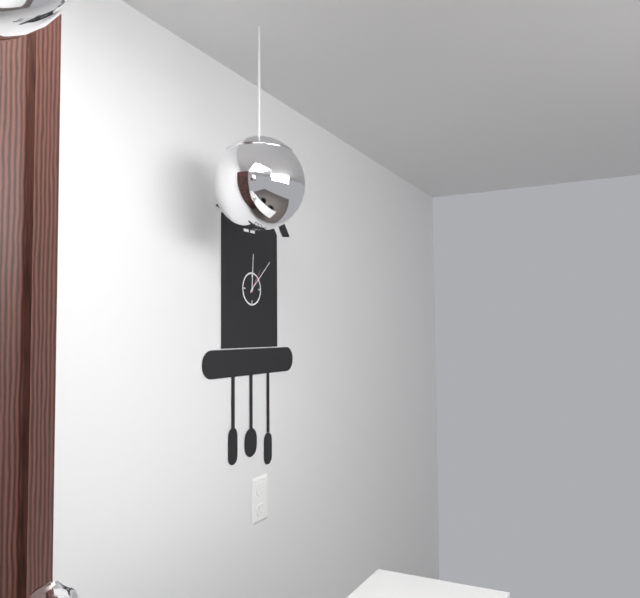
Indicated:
12 h 08 min
